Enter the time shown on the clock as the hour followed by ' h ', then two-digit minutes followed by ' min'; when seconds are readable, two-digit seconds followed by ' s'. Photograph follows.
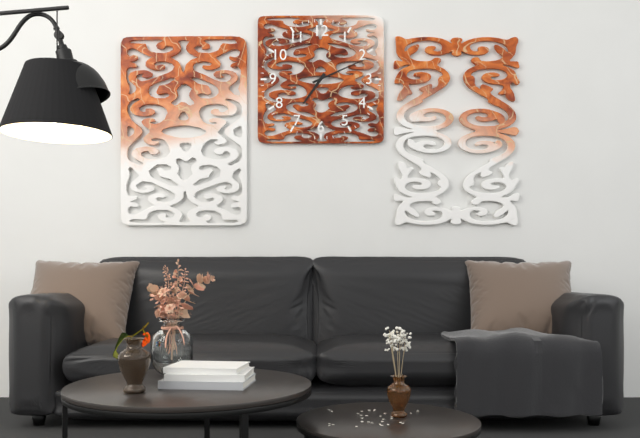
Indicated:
7 h 11 min
